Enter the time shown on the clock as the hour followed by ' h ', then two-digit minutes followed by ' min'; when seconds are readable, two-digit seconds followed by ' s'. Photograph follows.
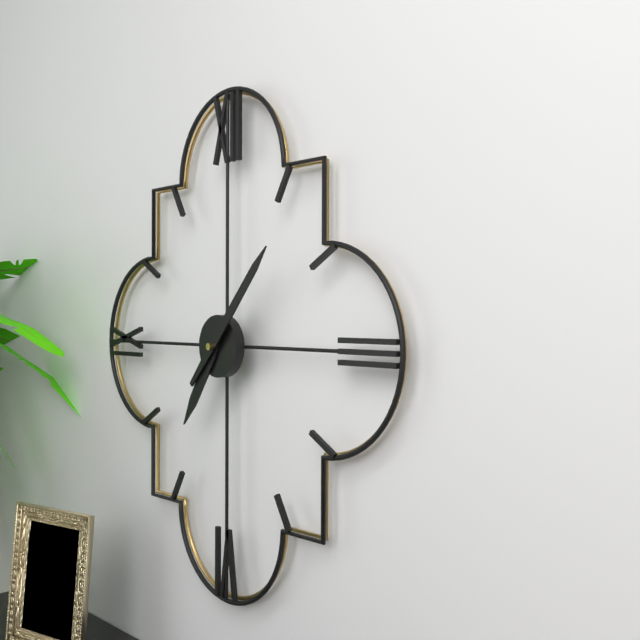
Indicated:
7 h 07 min
